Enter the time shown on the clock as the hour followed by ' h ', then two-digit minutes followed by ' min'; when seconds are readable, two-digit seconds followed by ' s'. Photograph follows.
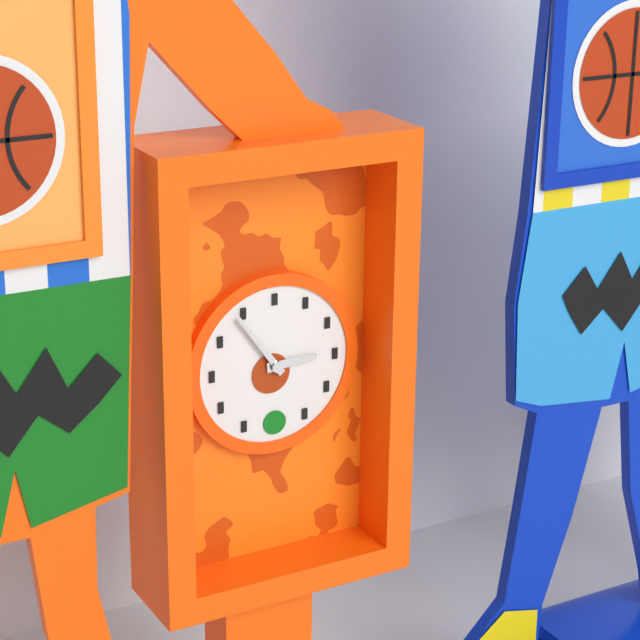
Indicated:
2 h 54 min
